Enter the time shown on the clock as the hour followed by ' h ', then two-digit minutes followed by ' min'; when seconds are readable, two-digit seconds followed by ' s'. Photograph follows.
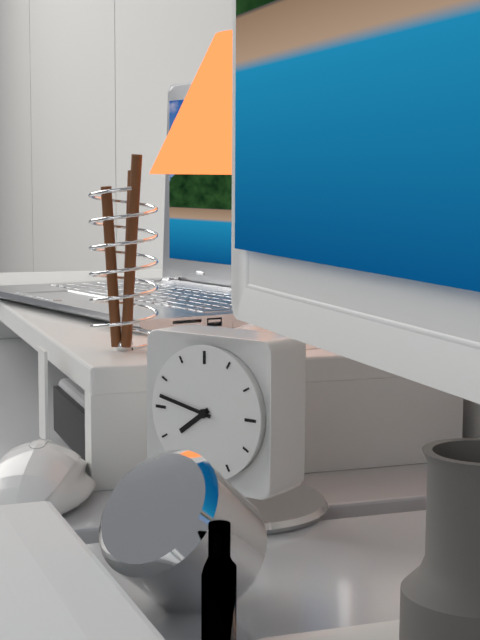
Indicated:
7 h 47 min
